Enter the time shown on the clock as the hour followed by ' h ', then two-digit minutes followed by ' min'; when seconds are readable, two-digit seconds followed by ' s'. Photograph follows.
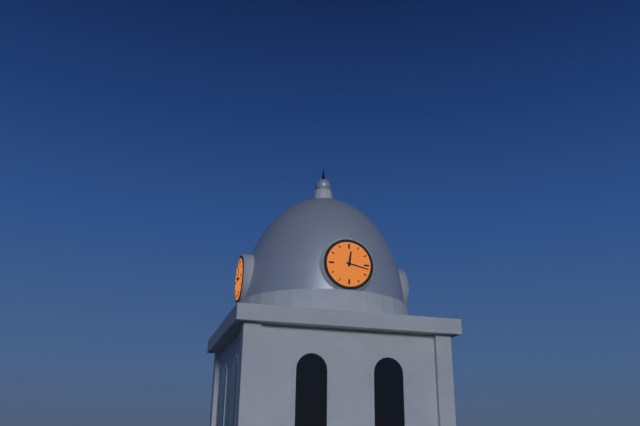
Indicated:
12 h 17 min
